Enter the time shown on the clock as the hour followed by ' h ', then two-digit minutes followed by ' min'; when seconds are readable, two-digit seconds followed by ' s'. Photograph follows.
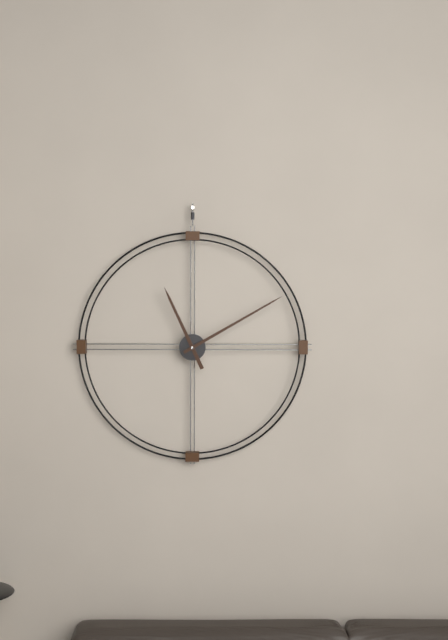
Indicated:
11 h 10 min
